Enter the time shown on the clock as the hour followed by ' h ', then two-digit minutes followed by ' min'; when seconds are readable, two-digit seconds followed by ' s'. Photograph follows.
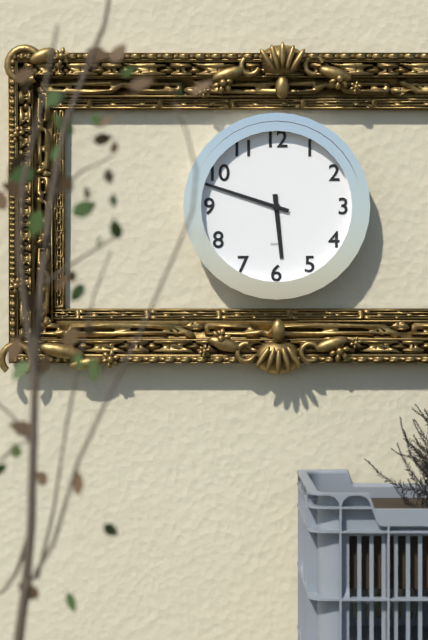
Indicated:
5 h 48 min
